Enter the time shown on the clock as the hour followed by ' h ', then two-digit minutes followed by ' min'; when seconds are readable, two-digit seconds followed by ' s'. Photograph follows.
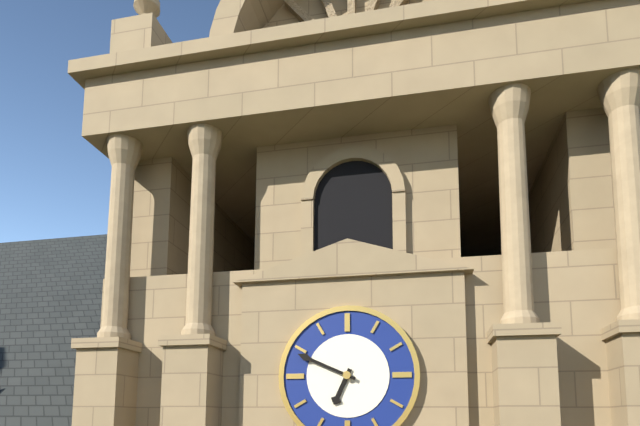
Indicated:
6 h 49 min
